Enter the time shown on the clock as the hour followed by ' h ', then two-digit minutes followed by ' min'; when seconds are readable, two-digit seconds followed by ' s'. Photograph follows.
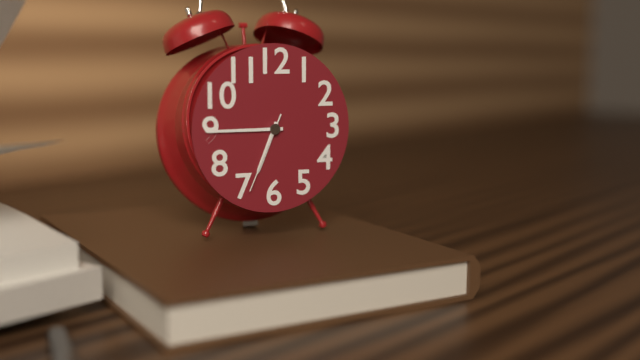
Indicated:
6 h 45 min 34 s
